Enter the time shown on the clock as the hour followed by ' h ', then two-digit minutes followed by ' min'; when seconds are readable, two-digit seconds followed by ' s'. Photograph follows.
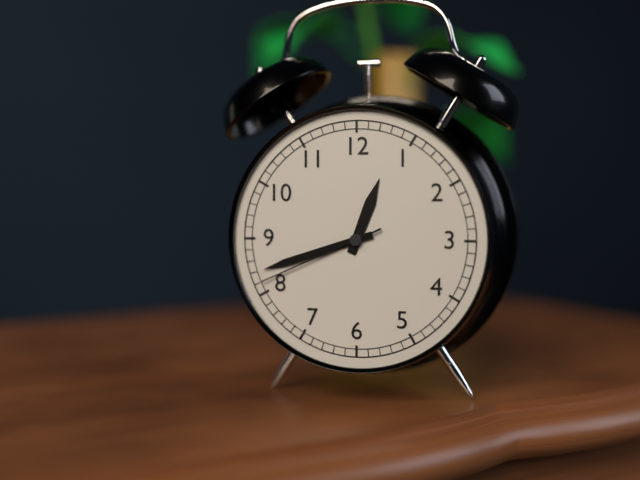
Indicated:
12 h 42 min 41 s
